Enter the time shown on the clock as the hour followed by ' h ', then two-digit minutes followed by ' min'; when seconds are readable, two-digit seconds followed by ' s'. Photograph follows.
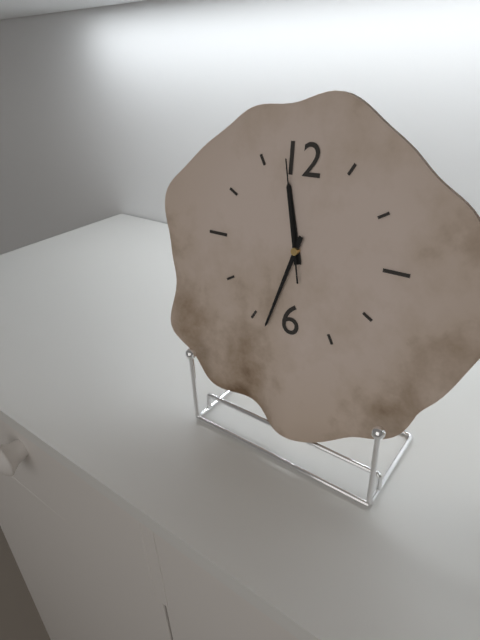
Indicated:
11 h 33 min 58 s
